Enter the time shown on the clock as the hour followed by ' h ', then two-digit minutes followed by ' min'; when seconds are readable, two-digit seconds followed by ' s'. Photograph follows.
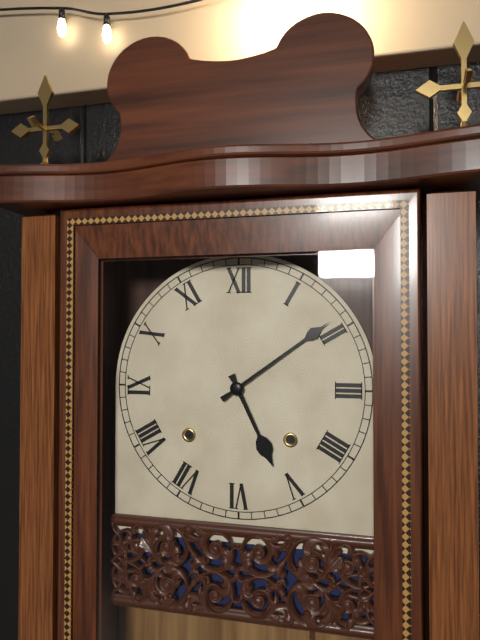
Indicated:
5 h 09 min
